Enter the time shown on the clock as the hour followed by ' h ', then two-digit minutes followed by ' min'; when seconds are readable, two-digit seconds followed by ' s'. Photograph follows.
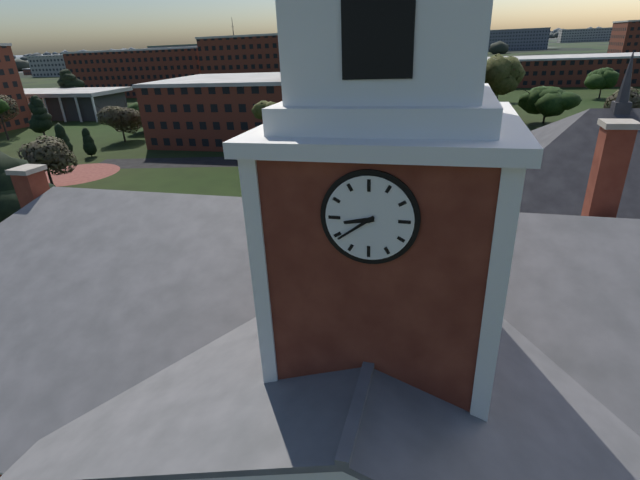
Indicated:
8 h 39 min
